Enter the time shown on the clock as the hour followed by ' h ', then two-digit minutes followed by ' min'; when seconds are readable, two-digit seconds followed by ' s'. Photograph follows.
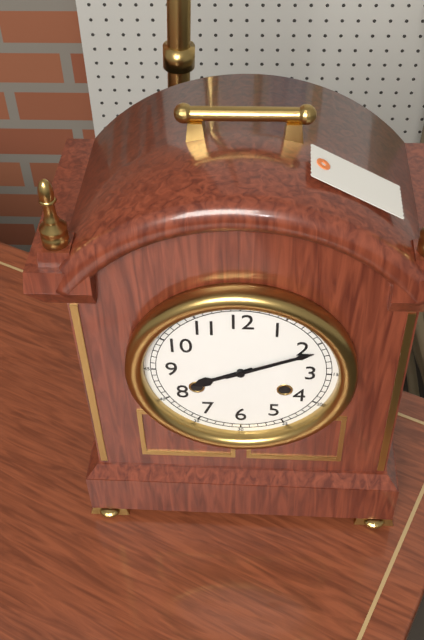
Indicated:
8 h 11 min
